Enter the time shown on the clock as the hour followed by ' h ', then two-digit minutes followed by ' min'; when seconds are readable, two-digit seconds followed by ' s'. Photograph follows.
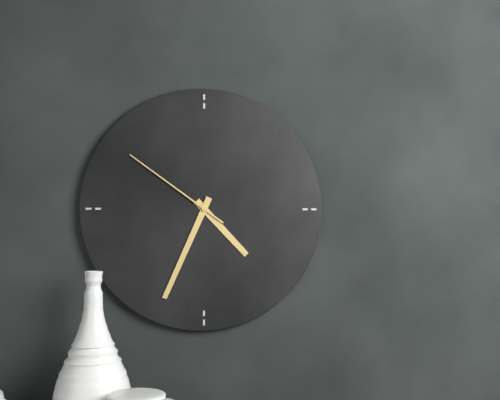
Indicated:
4 h 34 min 51 s
